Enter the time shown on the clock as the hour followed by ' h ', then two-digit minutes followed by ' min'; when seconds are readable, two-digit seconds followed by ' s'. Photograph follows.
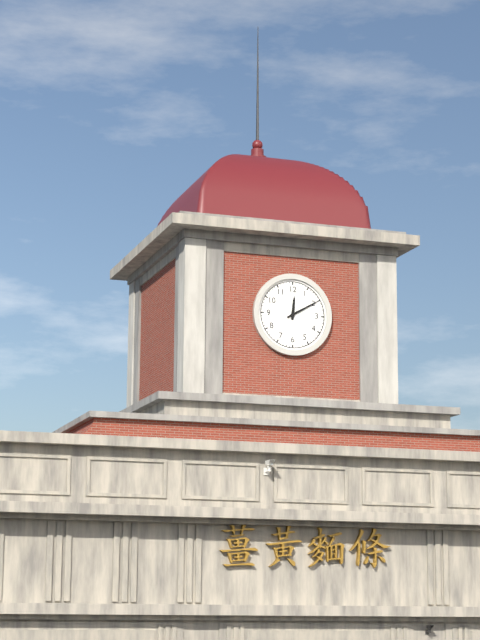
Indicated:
12 h 10 min
